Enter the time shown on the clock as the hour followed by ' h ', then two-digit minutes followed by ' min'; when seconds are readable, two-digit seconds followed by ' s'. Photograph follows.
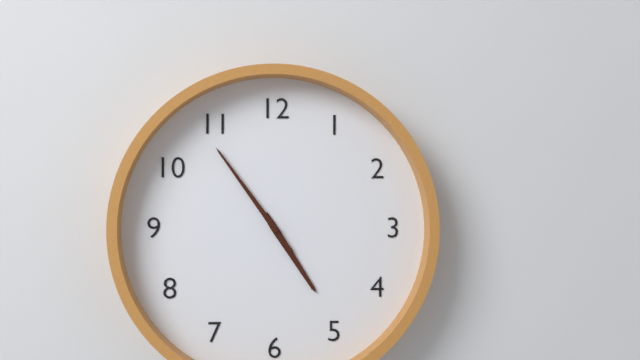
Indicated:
4 h 54 min
